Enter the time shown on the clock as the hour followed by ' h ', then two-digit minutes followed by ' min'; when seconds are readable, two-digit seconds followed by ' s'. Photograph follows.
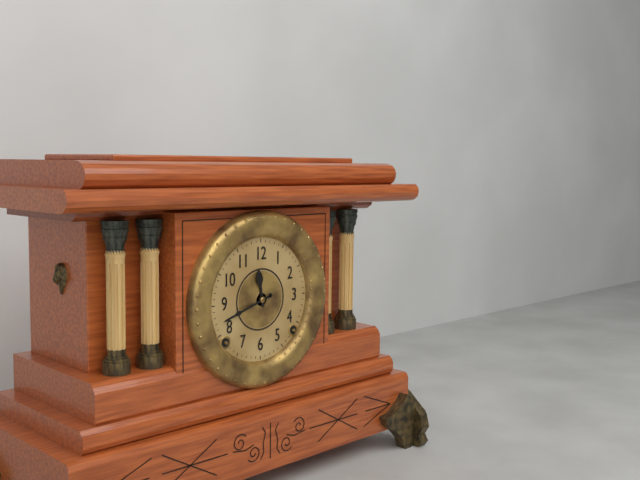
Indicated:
11 h 42 min
